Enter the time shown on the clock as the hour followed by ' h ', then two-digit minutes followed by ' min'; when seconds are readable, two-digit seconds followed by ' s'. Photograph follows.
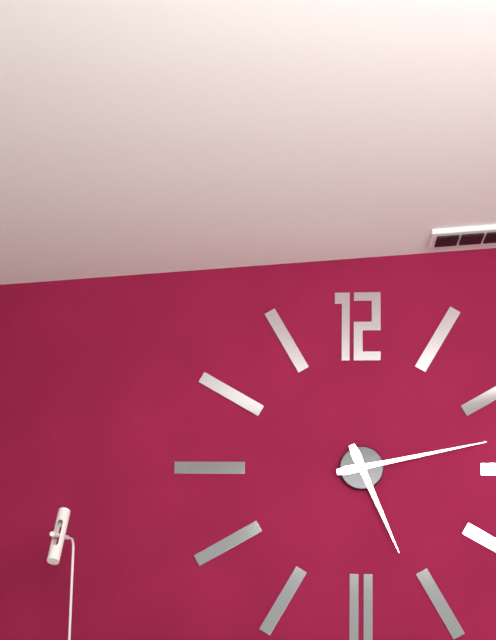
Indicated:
5 h 13 min
